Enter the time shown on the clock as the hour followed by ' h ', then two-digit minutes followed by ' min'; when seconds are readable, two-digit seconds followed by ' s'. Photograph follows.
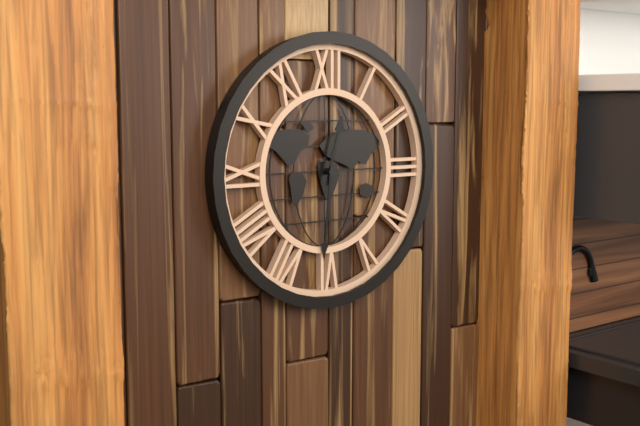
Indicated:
12 h 31 min
